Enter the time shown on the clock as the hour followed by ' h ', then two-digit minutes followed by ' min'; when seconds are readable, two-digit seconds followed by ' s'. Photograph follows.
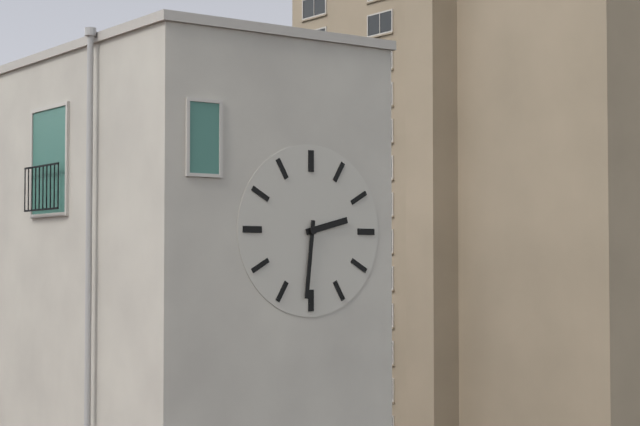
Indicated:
2 h 31 min
